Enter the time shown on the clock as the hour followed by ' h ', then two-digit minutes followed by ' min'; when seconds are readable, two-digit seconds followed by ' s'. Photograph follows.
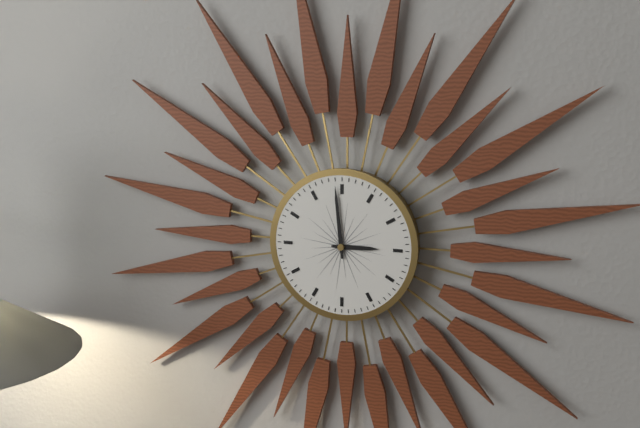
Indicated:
2 h 59 min
